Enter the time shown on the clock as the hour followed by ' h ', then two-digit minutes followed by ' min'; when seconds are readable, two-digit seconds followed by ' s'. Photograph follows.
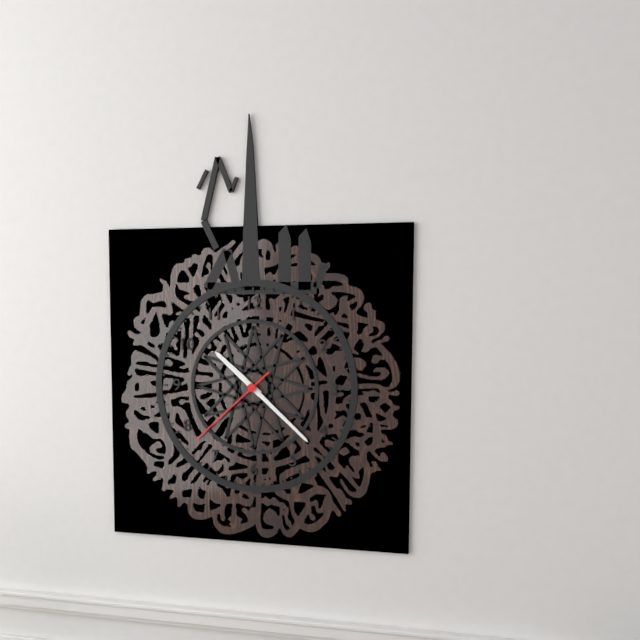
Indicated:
10 h 22 min 38 s
